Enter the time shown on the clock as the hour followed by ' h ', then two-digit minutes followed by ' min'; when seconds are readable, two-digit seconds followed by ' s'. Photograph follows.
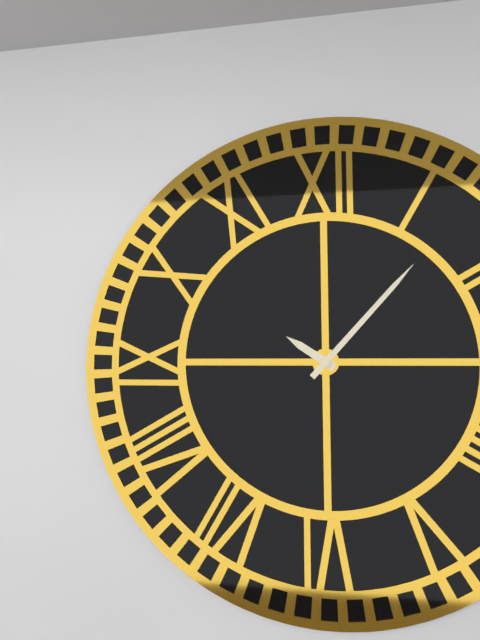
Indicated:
10 h 07 min
